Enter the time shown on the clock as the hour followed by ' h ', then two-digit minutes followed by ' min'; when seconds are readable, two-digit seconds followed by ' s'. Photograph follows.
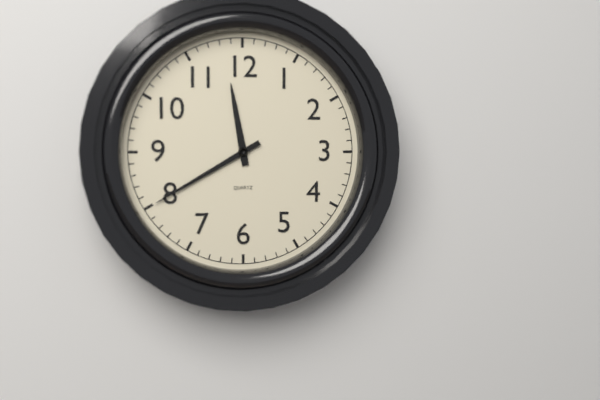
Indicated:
11 h 40 min
